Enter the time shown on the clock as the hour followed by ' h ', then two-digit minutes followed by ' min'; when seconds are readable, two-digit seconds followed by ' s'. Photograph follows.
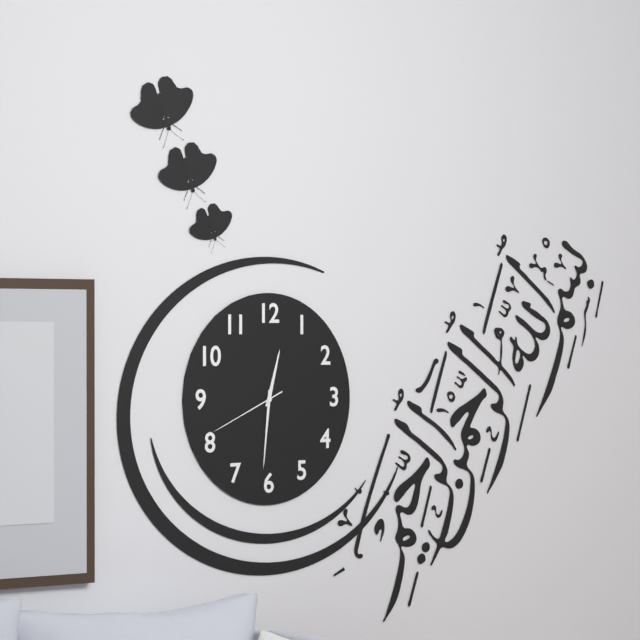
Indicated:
12 h 31 min 41 s
